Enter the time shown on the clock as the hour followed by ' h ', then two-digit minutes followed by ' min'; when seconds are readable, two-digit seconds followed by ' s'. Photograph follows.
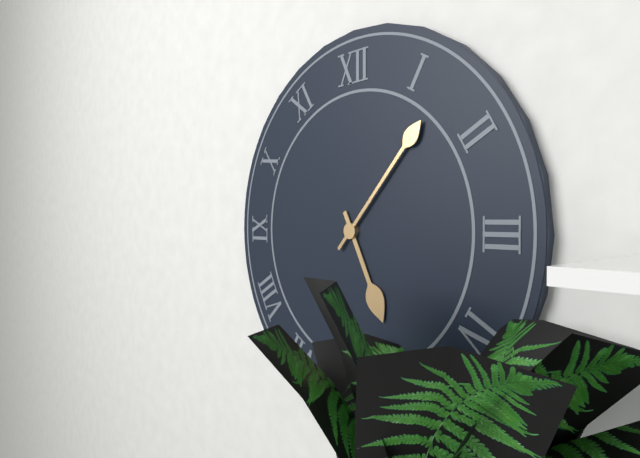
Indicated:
5 h 07 min
